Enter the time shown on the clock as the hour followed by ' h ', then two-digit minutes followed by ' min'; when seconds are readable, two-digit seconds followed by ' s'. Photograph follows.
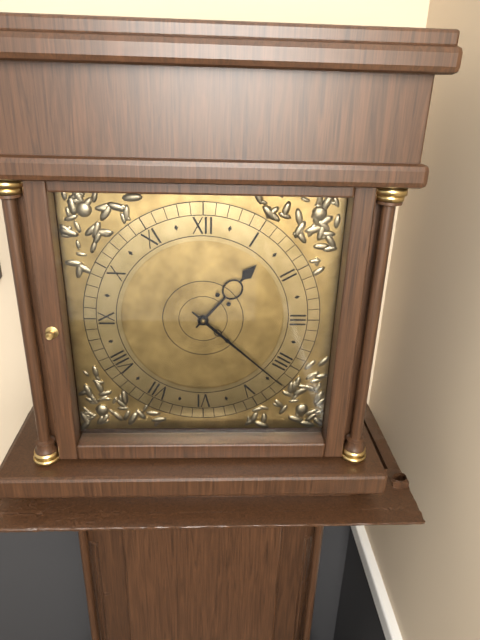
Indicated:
1 h 22 min
